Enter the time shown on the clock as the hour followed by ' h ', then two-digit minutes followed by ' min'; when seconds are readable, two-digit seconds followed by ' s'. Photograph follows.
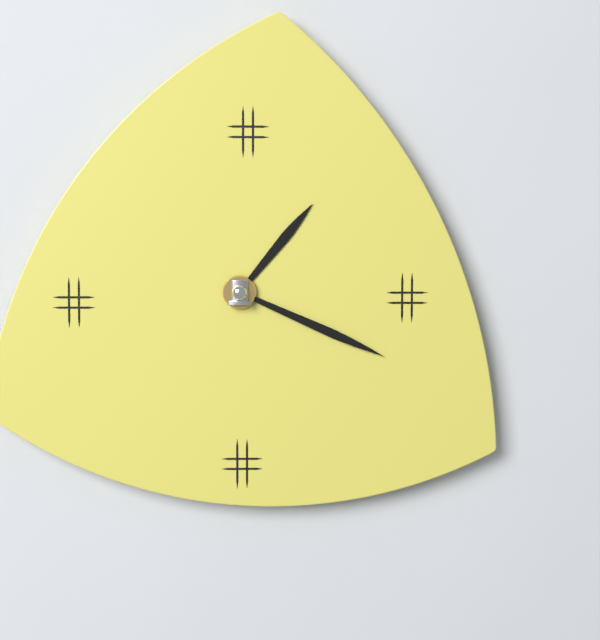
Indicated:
1 h 19 min
